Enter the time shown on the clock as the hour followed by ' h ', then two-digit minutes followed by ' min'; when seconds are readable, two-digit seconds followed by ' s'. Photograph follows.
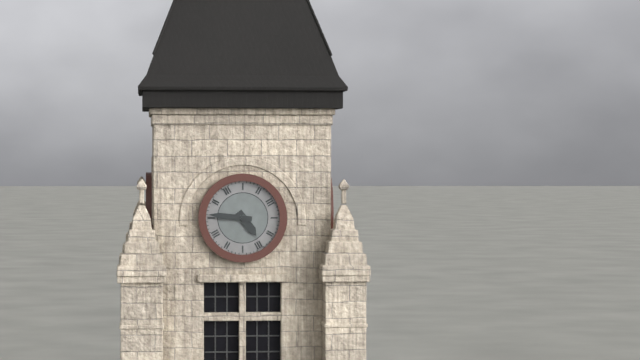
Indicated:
4 h 46 min
